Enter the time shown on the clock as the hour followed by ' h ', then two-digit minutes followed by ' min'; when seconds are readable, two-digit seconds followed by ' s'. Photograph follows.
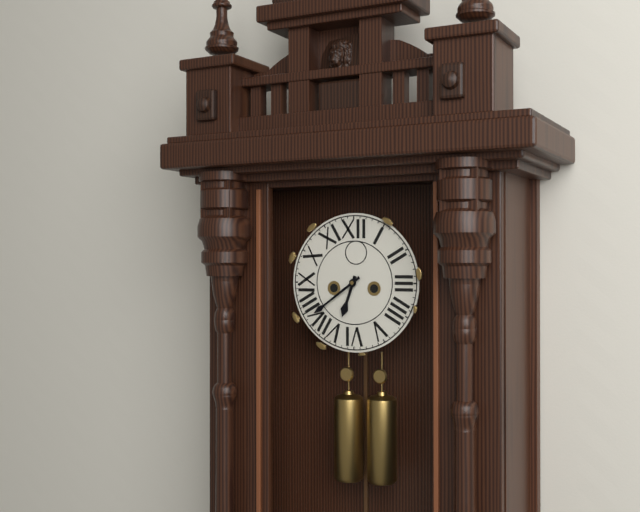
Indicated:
6 h 39 min
